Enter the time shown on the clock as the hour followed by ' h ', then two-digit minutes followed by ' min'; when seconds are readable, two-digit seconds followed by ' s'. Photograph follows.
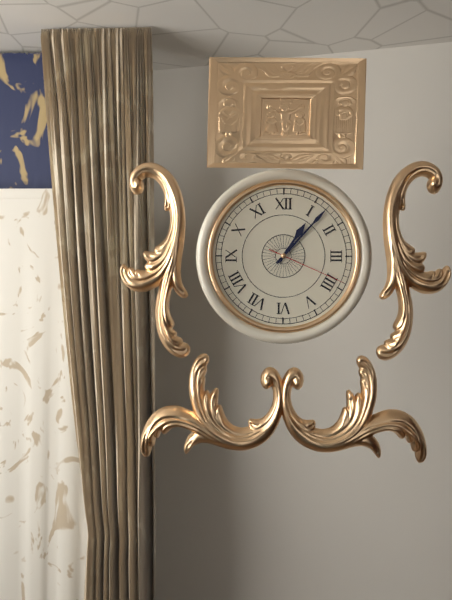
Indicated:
1 h 07 min 19 s
